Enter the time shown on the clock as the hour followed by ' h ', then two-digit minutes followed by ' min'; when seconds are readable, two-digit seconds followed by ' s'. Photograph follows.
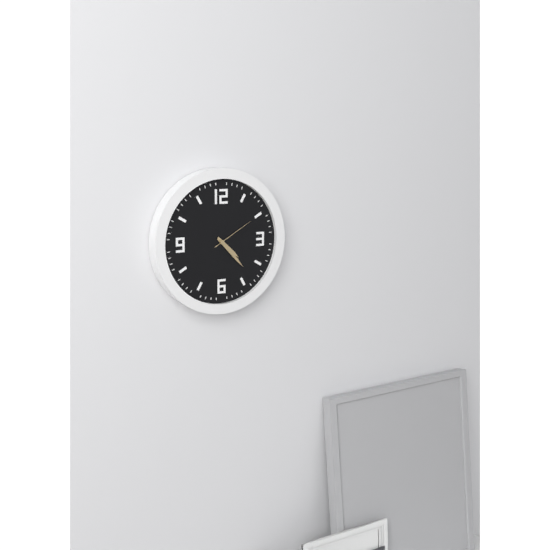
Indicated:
4 h 23 min
